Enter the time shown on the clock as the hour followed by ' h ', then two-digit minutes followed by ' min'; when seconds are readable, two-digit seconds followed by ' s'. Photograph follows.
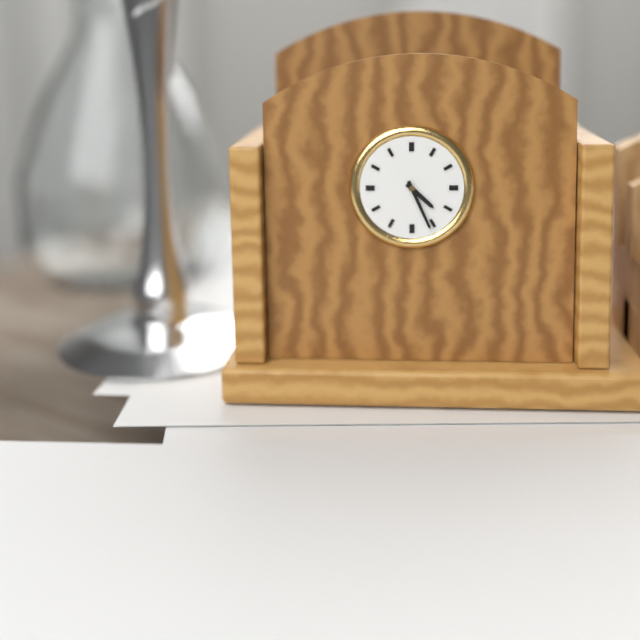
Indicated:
4 h 26 min
